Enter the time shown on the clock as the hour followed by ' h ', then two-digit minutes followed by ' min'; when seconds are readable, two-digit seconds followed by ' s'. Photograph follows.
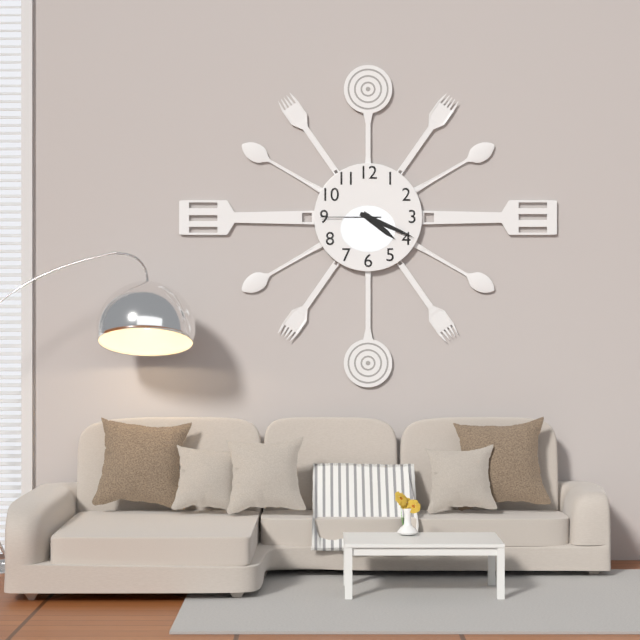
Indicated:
4 h 19 min 45 s
